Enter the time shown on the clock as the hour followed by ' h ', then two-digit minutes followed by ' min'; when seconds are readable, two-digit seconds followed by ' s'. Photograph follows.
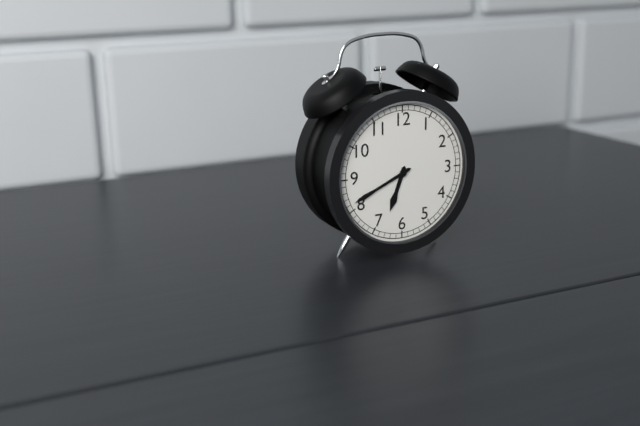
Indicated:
6 h 41 min
